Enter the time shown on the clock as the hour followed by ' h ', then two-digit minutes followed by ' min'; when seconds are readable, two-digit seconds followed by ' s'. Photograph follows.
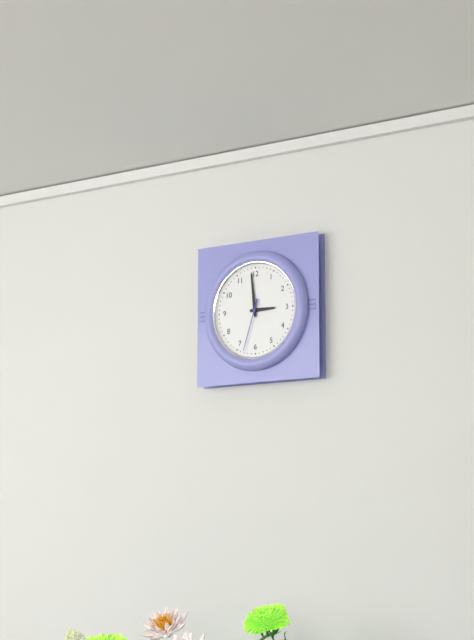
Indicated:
2 h 59 min 33 s
